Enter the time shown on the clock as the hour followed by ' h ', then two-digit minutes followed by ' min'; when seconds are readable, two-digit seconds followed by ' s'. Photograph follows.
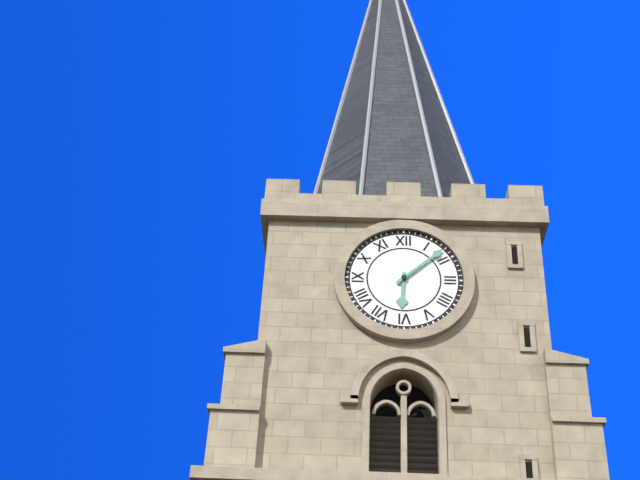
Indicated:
6 h 08 min
